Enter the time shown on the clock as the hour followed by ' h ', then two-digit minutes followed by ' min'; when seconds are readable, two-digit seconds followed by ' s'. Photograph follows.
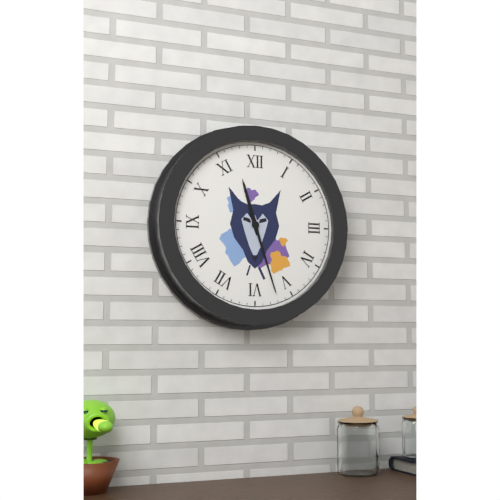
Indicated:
11 h 27 min
